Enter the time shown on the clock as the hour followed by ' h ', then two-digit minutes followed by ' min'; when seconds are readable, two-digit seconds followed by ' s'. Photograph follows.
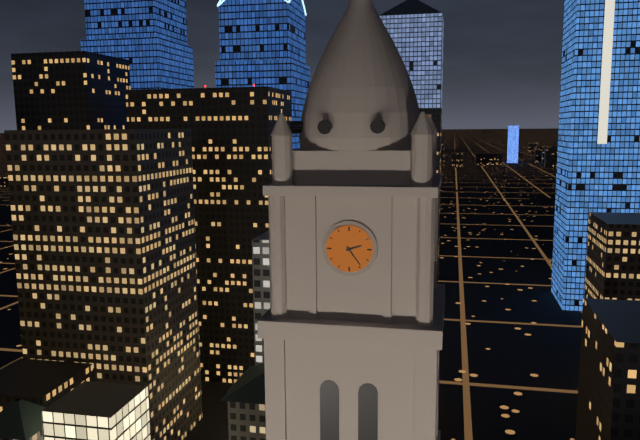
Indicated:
2 h 24 min
